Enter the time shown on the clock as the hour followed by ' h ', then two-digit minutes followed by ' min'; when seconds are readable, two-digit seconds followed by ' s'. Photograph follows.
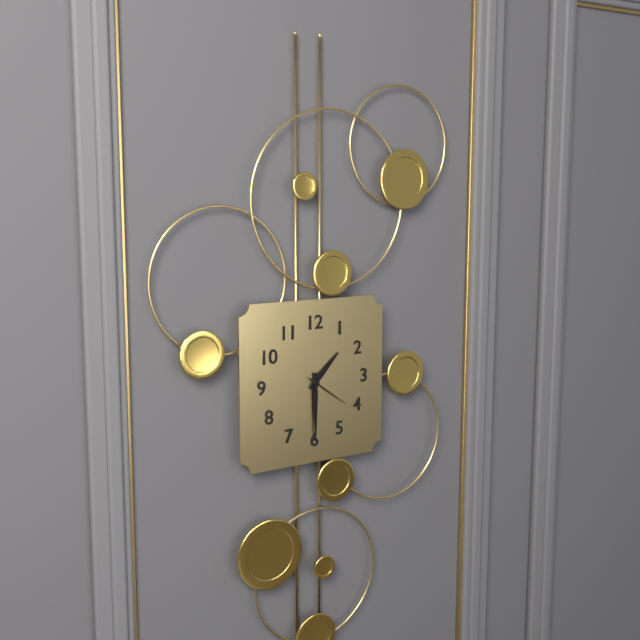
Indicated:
1 h 30 min
